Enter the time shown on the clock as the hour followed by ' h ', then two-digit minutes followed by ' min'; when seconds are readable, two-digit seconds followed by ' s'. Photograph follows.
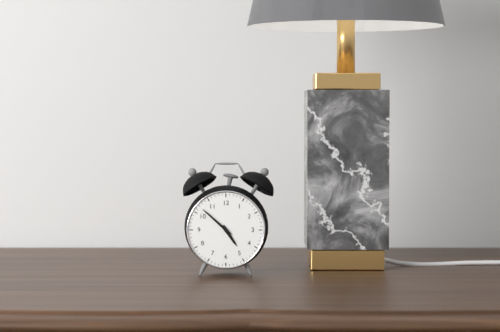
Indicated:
4 h 52 min
